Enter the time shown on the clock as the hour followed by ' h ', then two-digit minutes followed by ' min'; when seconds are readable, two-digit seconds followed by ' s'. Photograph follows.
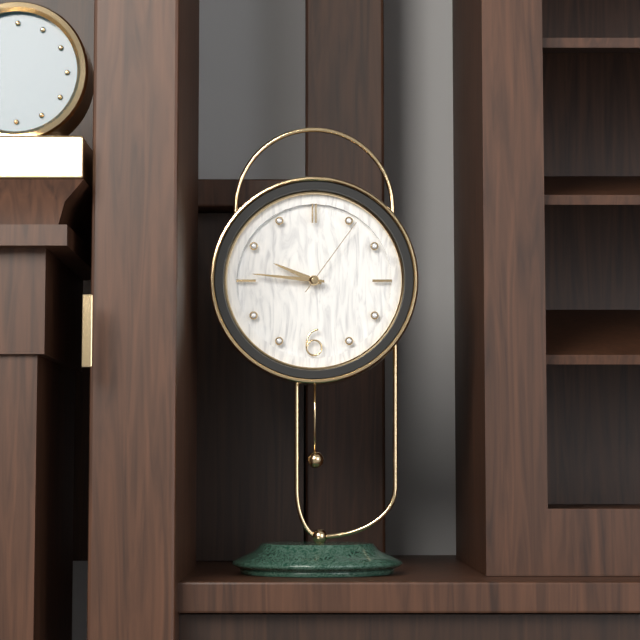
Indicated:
9 h 46 min 06 s
